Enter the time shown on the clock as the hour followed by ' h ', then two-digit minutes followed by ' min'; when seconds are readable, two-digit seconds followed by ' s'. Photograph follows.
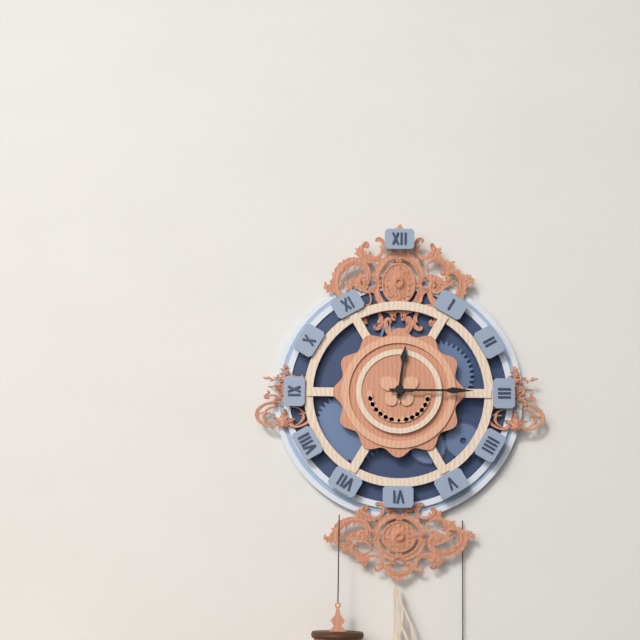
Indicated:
12 h 15 min
